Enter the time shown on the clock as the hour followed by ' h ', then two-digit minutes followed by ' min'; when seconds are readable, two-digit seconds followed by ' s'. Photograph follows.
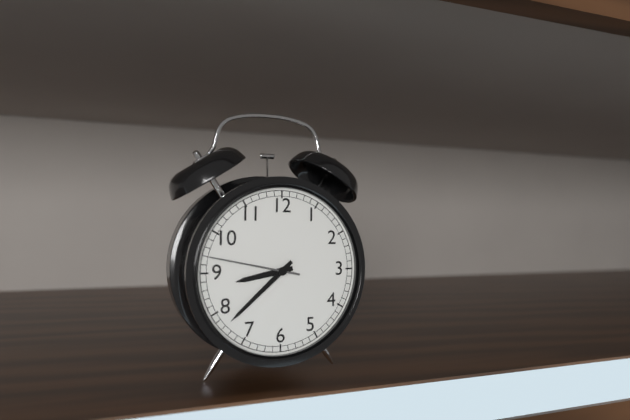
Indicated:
8 h 38 min 47 s
